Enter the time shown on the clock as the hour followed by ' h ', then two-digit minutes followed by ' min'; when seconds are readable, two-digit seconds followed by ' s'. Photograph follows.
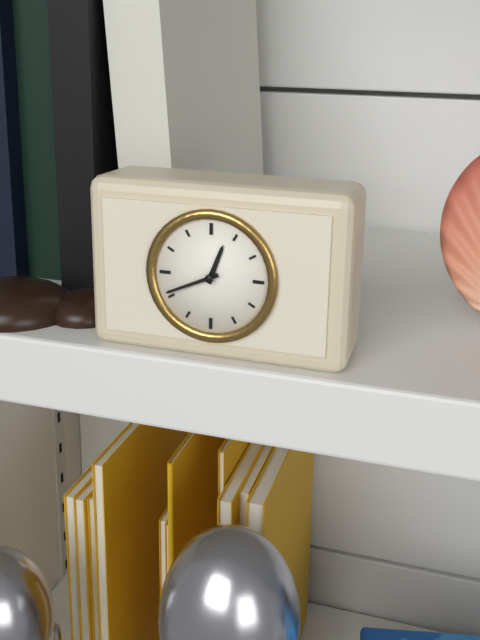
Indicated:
12 h 41 min
